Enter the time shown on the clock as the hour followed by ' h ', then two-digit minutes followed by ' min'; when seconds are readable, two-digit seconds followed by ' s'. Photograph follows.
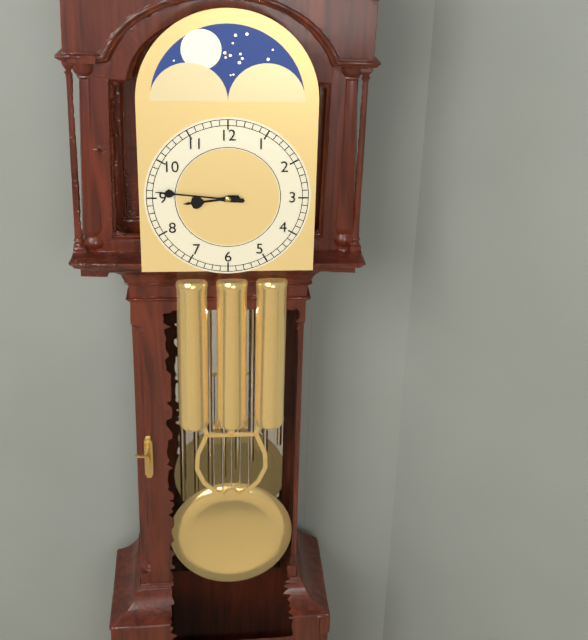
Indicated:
8 h 46 min
